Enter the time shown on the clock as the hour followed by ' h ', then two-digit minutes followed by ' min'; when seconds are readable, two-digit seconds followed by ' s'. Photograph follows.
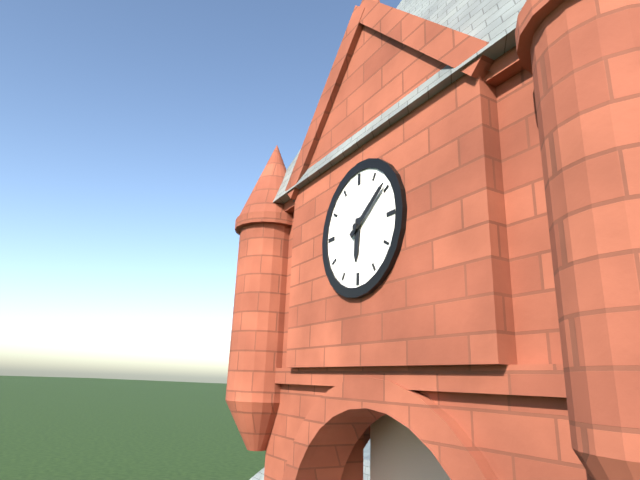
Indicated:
6 h 09 min
